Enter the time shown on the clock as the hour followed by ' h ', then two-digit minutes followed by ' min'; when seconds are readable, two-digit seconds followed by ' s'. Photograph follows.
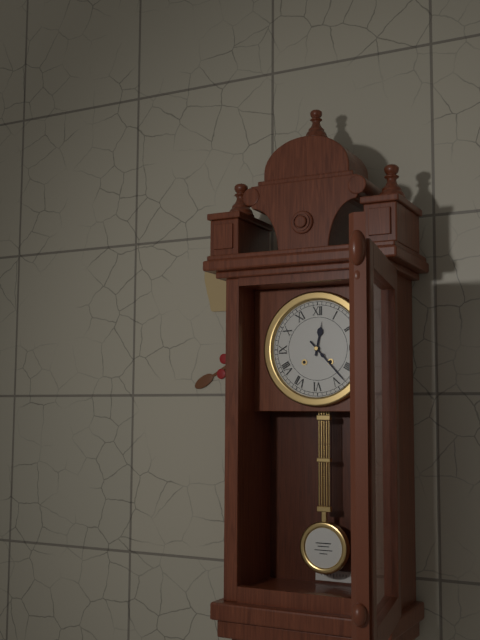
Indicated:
12 h 23 min
